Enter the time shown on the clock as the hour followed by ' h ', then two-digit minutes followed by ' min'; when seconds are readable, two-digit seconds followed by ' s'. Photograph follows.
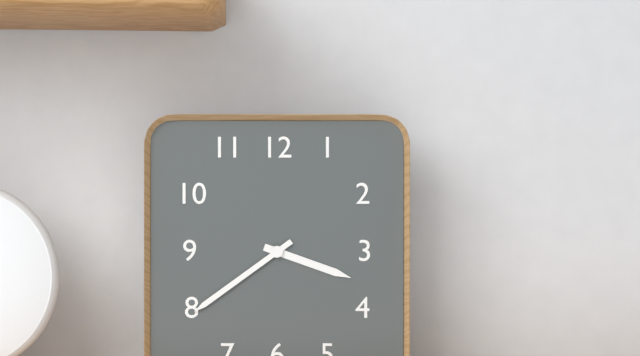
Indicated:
3 h 39 min
